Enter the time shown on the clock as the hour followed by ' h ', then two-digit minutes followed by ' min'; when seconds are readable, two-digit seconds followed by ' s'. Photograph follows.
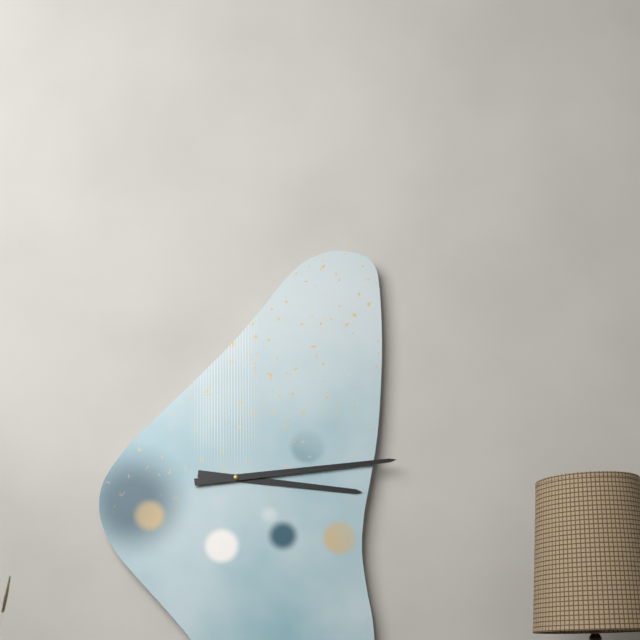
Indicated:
3 h 14 min
